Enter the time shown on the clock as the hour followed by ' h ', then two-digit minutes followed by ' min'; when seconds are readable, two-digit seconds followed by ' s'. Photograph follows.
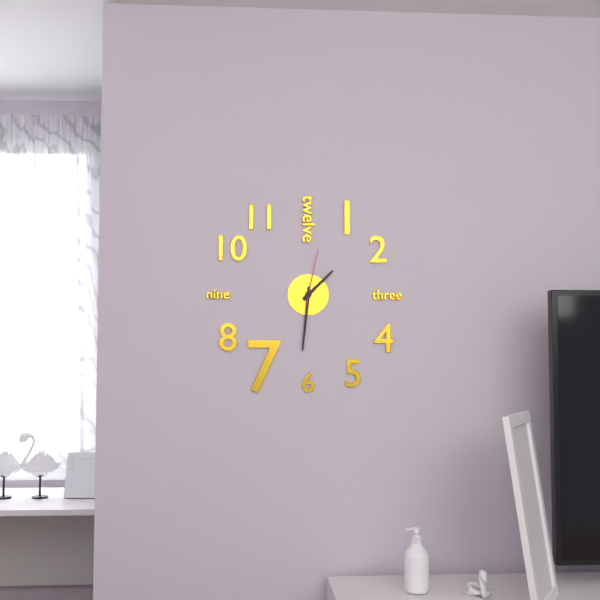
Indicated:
1 h 31 min 02 s
